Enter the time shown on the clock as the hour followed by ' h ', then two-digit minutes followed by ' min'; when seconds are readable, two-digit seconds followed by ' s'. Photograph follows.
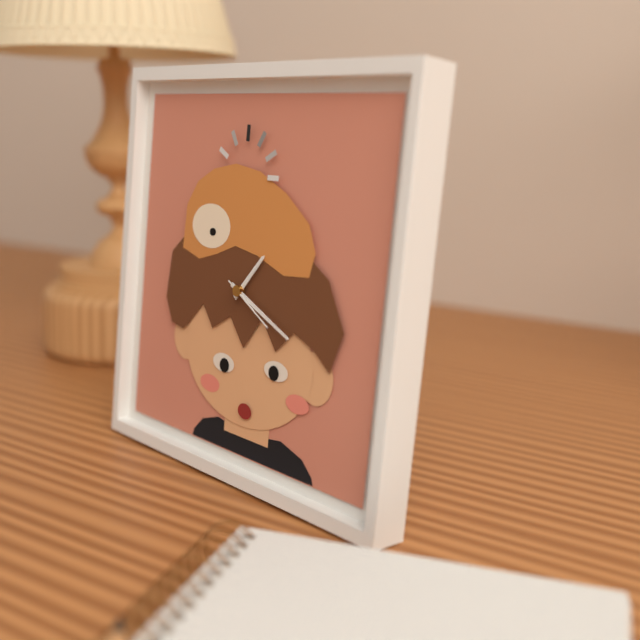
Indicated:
1 h 19 min 20 s
